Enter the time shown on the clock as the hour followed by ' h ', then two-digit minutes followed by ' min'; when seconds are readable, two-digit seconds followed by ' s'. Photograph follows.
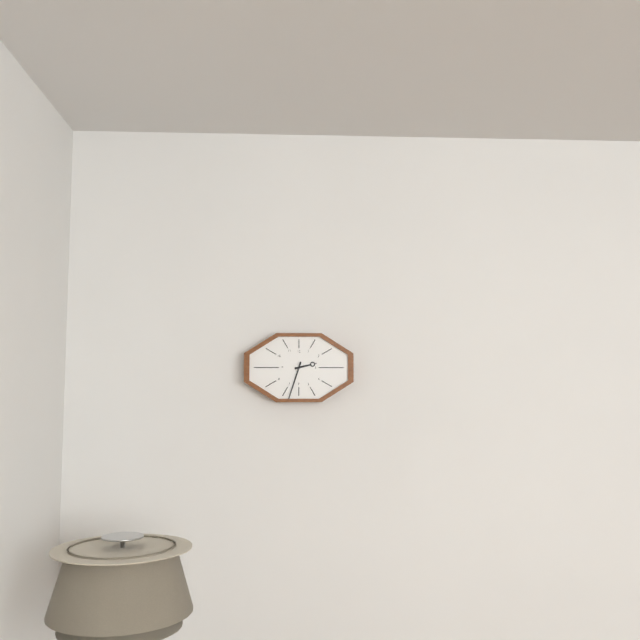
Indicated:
2 h 33 min
